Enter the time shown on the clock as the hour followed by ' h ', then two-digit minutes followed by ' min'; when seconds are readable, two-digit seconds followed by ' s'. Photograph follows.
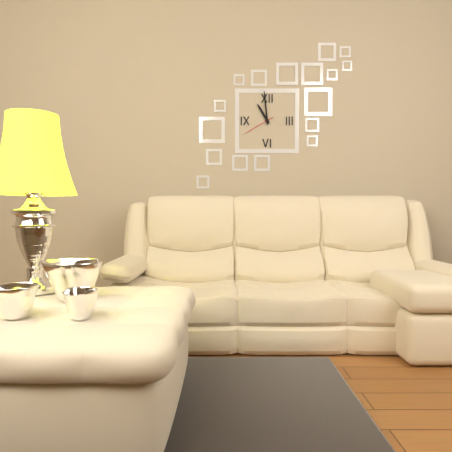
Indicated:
10 h 59 min
